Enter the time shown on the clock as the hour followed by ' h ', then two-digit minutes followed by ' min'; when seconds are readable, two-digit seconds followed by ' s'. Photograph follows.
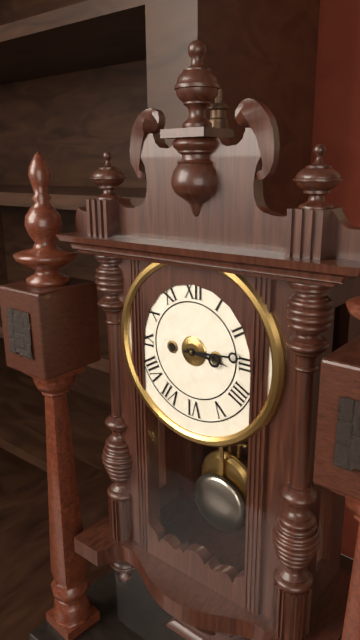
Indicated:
3 h 14 min
